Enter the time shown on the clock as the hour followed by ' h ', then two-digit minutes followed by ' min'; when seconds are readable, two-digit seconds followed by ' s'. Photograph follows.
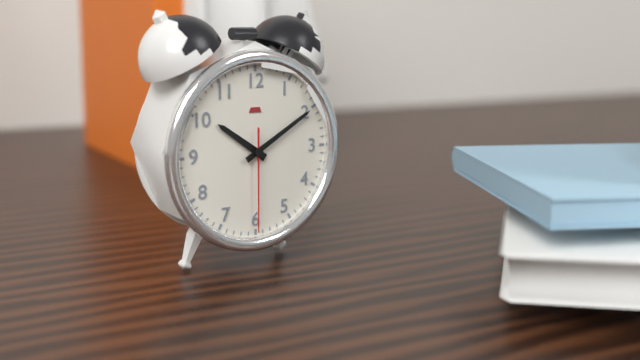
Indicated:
10 h 10 min 30 s
